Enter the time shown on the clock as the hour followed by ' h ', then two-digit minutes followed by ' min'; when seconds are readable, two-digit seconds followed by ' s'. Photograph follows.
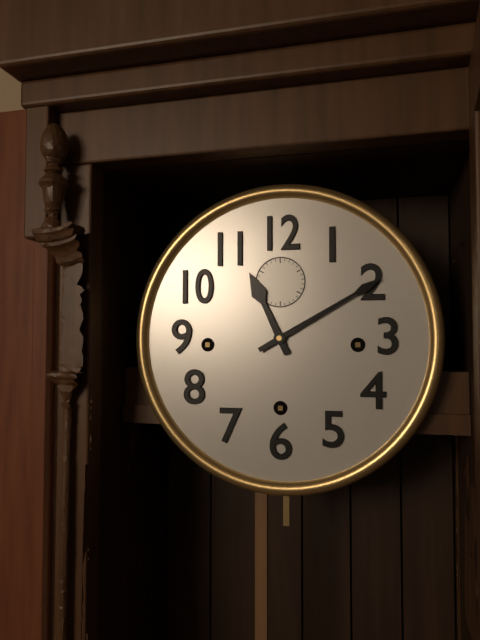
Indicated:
11 h 10 min
